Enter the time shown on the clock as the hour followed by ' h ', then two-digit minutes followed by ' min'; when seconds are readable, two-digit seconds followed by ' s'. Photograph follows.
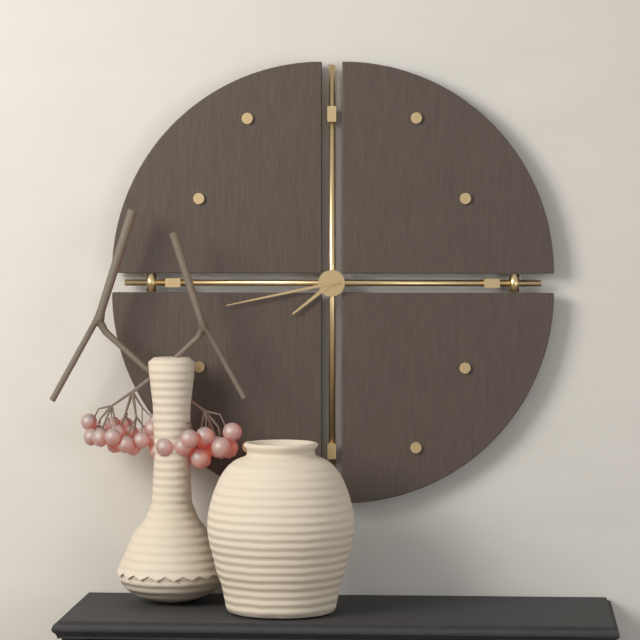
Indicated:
7 h 43 min
